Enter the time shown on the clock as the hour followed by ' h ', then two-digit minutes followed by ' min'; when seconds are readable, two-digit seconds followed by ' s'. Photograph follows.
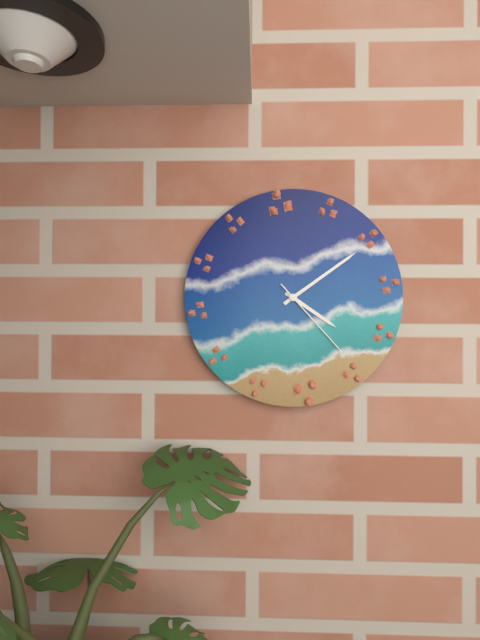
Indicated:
4 h 09 min 23 s
